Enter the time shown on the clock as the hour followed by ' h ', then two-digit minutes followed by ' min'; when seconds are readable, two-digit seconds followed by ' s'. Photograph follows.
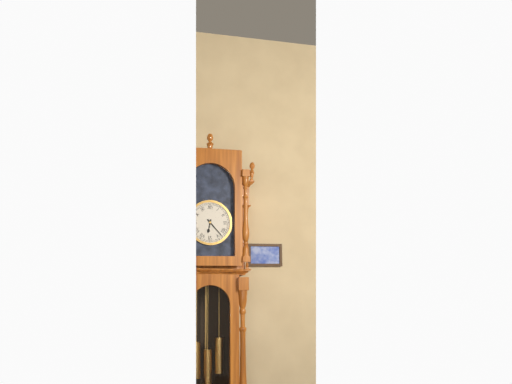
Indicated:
6 h 23 min
